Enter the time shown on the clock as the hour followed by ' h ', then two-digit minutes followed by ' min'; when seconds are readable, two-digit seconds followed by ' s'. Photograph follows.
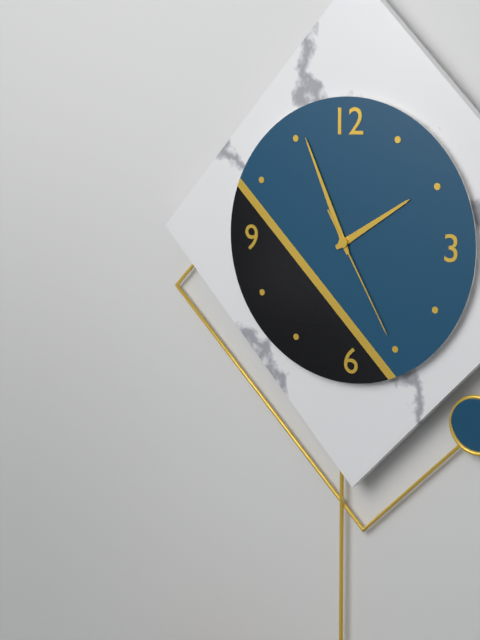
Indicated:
1 h 56 min 25 s
